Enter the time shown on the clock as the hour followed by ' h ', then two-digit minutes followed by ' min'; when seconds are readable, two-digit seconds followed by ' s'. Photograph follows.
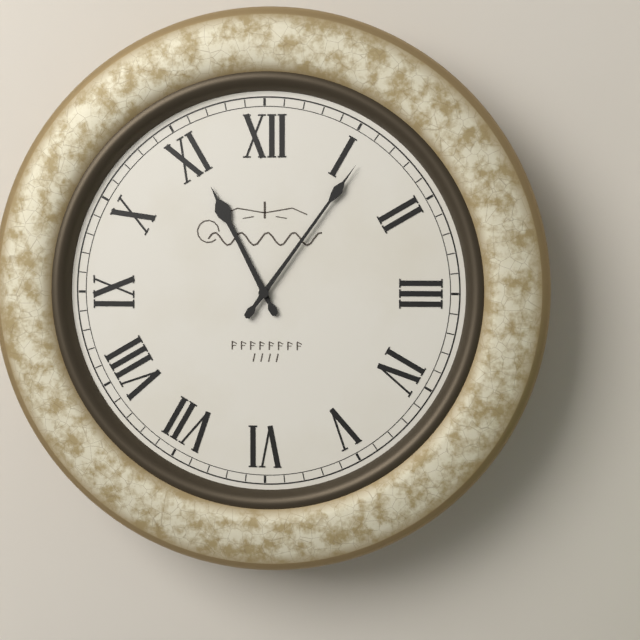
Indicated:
11 h 06 min
